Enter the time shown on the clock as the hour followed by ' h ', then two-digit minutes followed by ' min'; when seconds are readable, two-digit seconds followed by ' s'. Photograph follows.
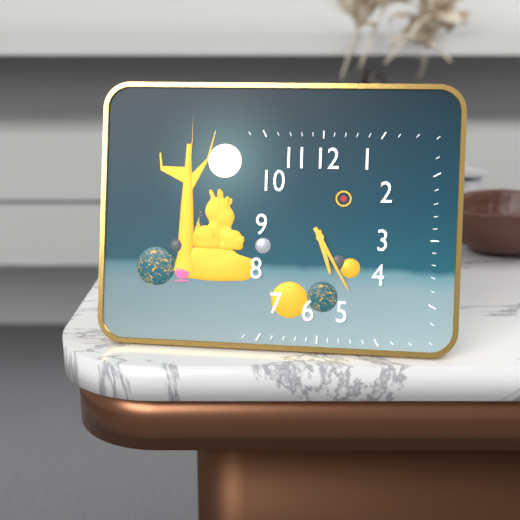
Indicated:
5 h 25 min
